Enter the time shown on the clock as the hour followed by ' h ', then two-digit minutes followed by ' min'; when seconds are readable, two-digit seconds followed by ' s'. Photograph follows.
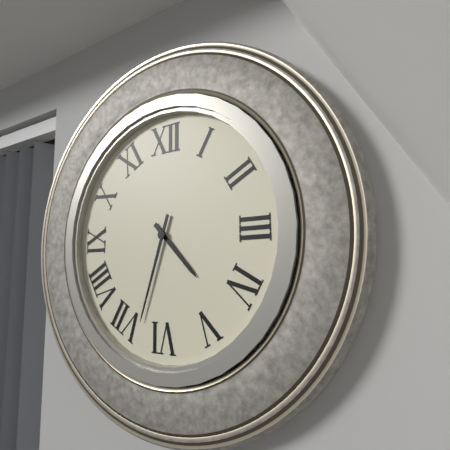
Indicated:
4 h 33 min
